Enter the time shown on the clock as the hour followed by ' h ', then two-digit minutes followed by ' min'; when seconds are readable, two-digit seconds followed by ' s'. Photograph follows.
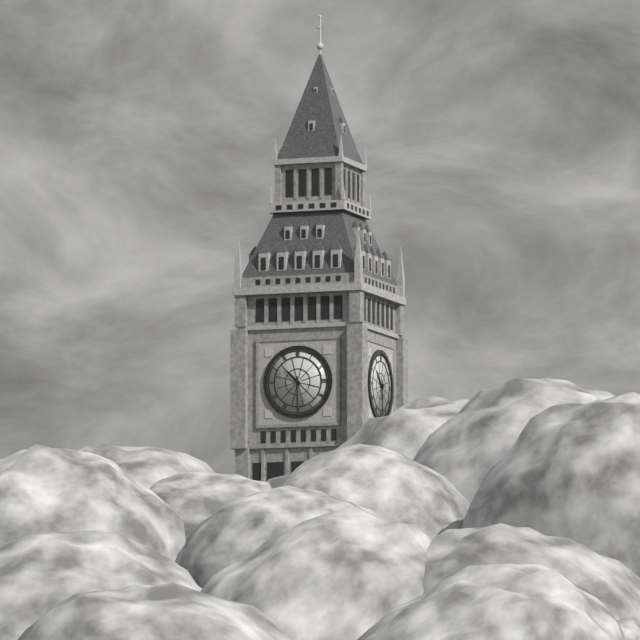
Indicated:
10 h 30 min
